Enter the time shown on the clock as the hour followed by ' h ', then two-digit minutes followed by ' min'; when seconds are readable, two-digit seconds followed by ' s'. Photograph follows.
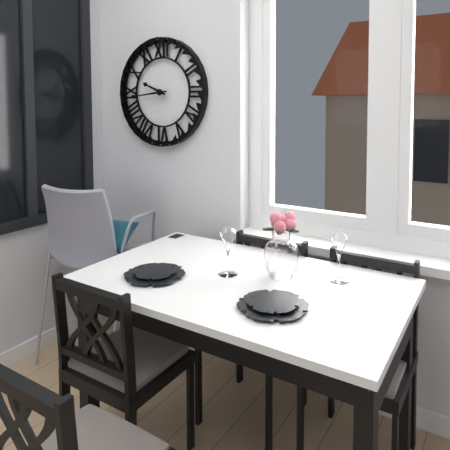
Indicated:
9 h 44 min
